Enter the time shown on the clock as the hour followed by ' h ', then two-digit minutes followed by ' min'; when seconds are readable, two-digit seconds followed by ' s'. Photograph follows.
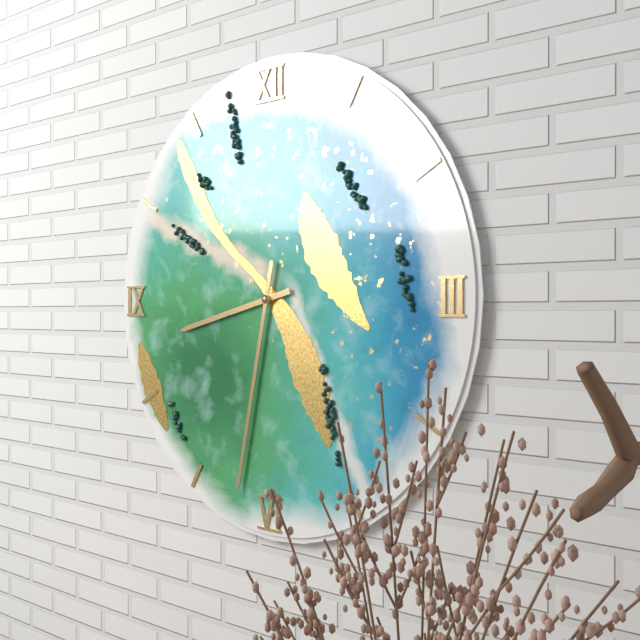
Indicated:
8 h 32 min
